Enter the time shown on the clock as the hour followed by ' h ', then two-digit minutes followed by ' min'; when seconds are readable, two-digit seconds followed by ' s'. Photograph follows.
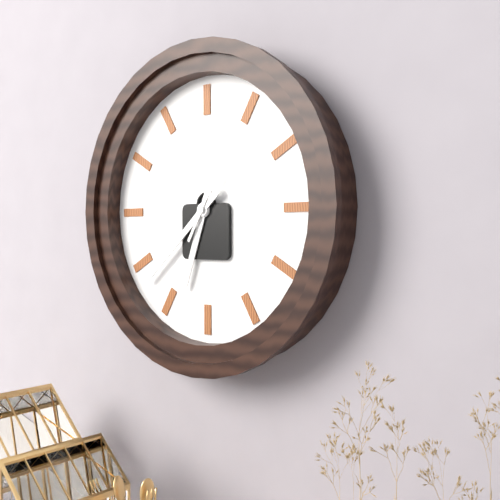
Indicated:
6 h 38 min 05 s
